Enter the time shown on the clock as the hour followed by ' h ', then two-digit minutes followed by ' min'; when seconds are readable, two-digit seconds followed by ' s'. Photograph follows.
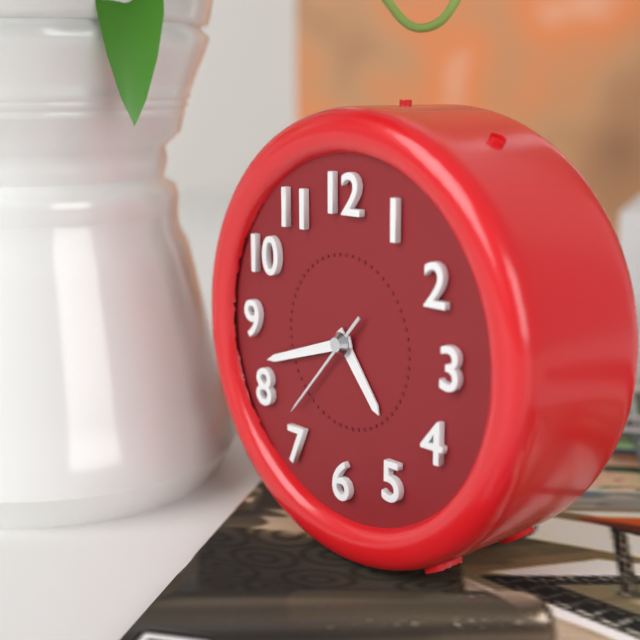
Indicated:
4 h 42 min 37 s
